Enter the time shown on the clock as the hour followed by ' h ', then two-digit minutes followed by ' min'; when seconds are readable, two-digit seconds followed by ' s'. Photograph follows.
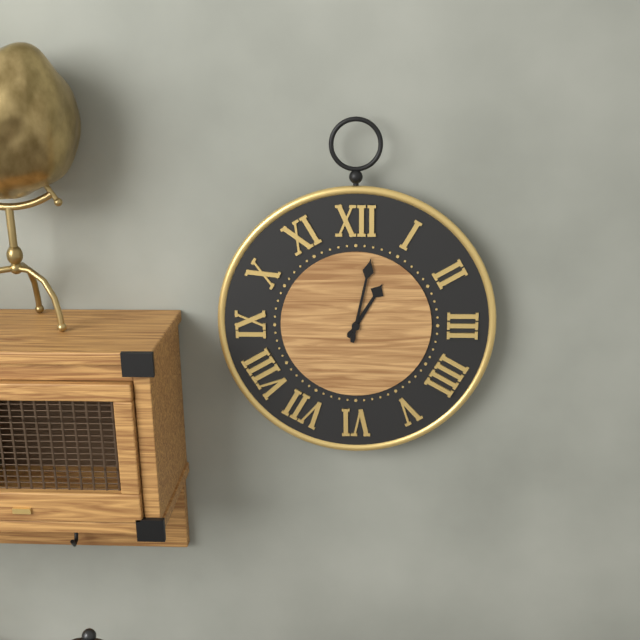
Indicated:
1 h 02 min
